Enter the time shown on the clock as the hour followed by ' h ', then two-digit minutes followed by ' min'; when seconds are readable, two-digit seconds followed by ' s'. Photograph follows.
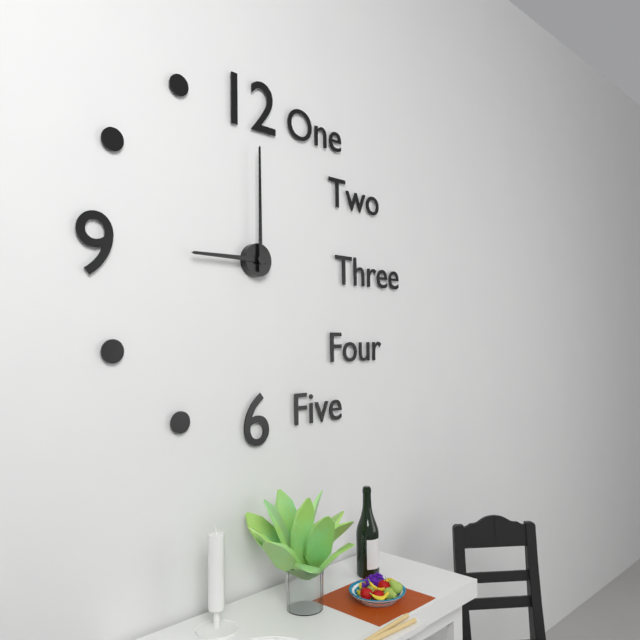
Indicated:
9 h 00 min
